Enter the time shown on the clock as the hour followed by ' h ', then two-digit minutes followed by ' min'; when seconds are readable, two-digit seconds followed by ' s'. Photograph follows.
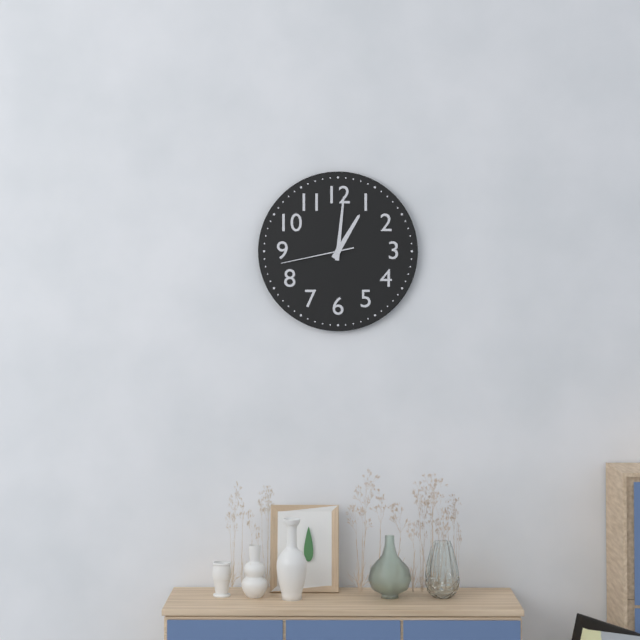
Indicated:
1 h 01 min 43 s
